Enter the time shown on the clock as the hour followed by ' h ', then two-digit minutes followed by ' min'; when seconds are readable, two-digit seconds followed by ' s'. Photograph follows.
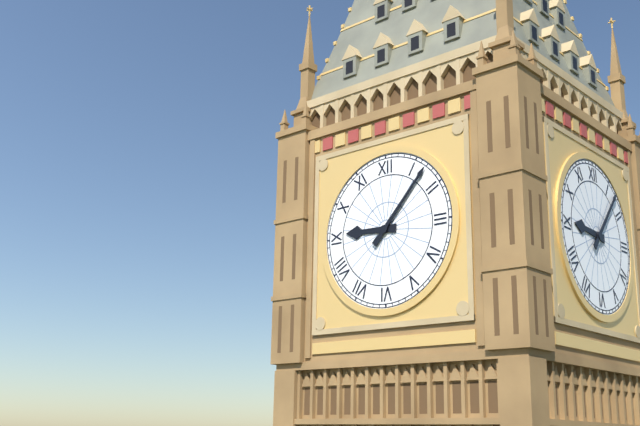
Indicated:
9 h 07 min
